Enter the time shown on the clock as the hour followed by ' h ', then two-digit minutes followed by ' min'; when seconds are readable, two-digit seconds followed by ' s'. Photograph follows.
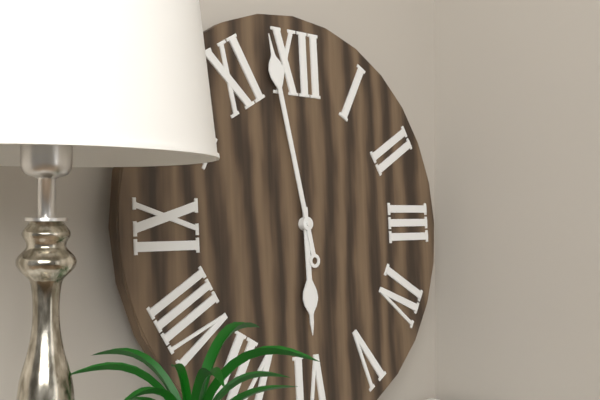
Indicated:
5 h 58 min
